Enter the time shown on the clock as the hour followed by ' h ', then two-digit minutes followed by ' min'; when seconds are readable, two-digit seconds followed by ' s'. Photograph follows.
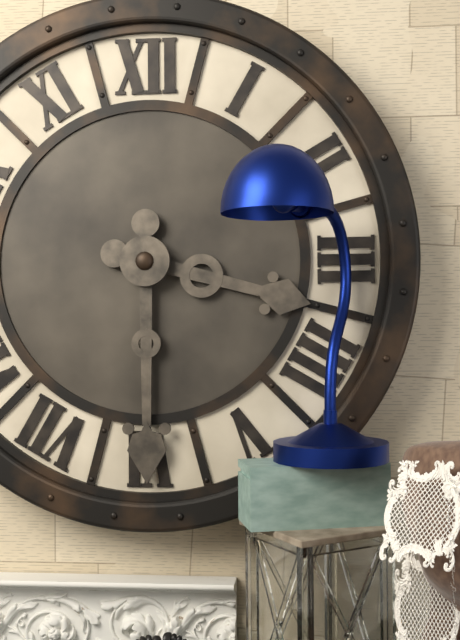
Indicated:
3 h 30 min
